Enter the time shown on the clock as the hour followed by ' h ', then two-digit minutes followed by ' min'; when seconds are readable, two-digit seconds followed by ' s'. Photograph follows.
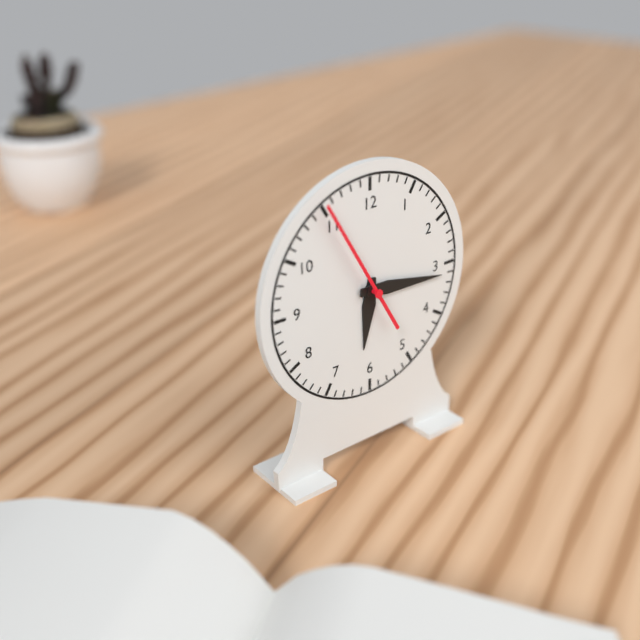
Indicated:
6 h 16 min 55 s
